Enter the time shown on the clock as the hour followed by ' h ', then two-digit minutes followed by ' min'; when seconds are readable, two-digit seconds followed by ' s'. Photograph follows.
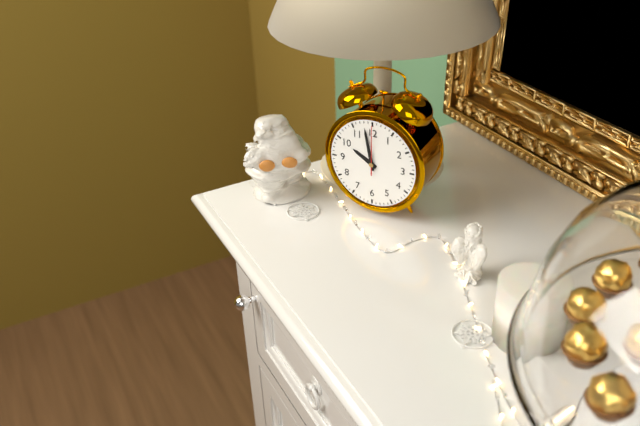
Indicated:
9 h 58 min
